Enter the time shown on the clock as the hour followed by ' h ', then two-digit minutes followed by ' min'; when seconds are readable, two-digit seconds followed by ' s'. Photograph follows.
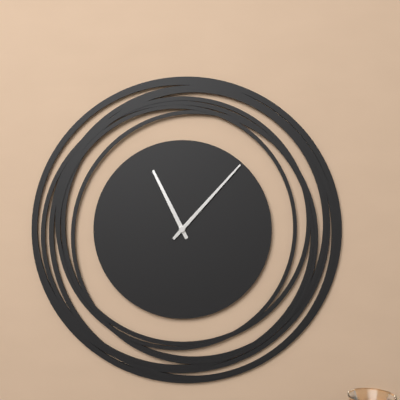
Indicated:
11 h 07 min
